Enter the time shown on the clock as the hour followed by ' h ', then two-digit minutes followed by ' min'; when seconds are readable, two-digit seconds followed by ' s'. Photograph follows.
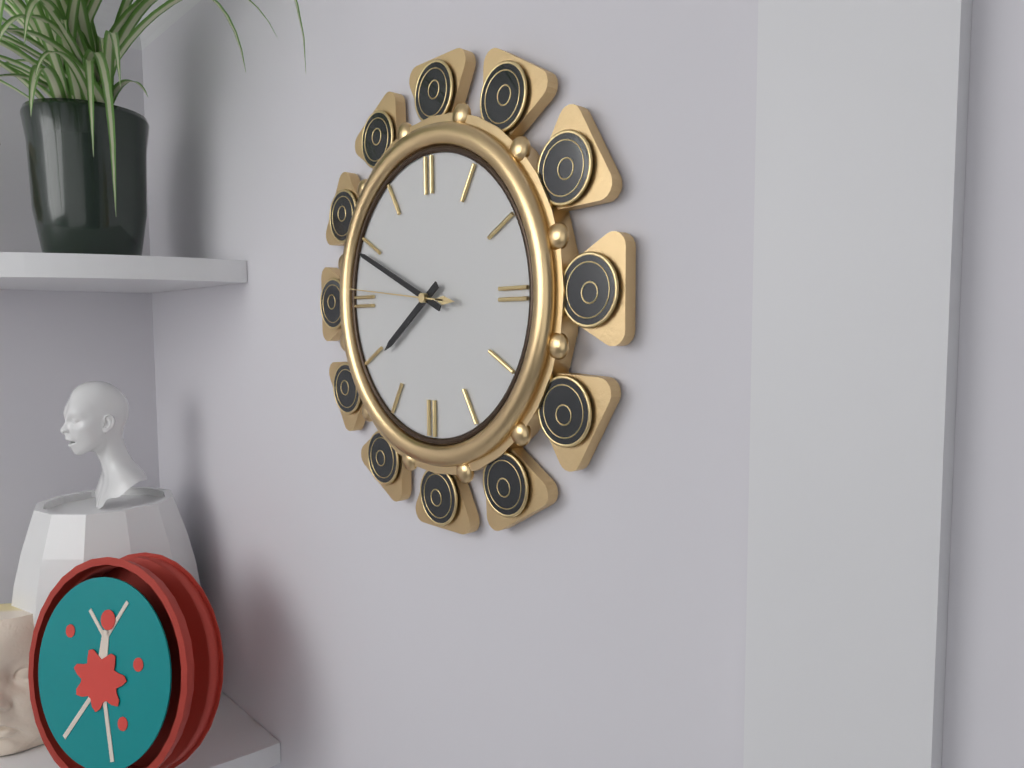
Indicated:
7 h 49 min 46 s
